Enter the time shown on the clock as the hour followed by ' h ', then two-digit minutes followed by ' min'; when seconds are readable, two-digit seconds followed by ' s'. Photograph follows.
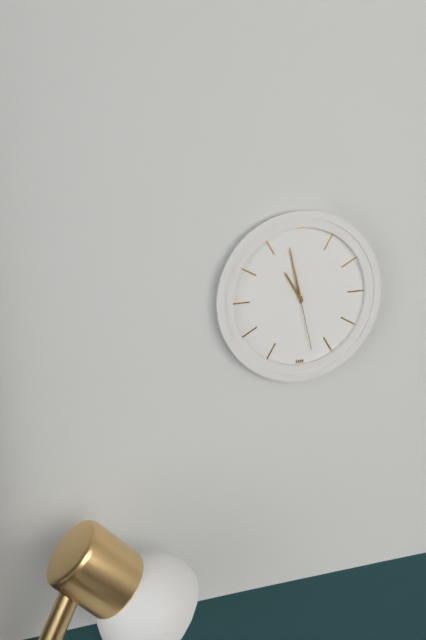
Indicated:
10 h 58 min 28 s
